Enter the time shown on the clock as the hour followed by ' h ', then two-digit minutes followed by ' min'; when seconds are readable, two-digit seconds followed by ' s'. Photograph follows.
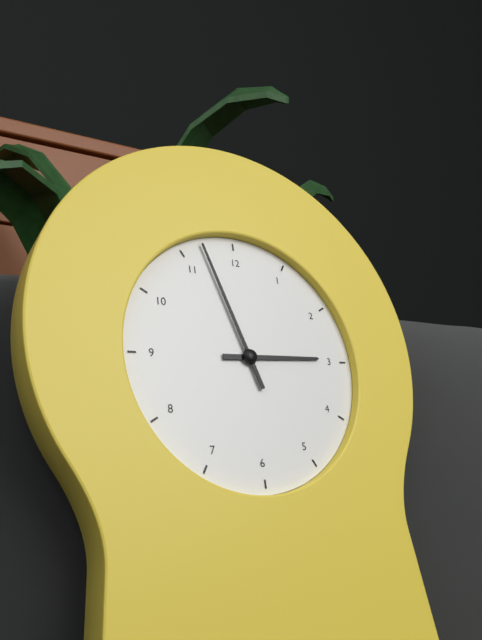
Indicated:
2 h 57 min
